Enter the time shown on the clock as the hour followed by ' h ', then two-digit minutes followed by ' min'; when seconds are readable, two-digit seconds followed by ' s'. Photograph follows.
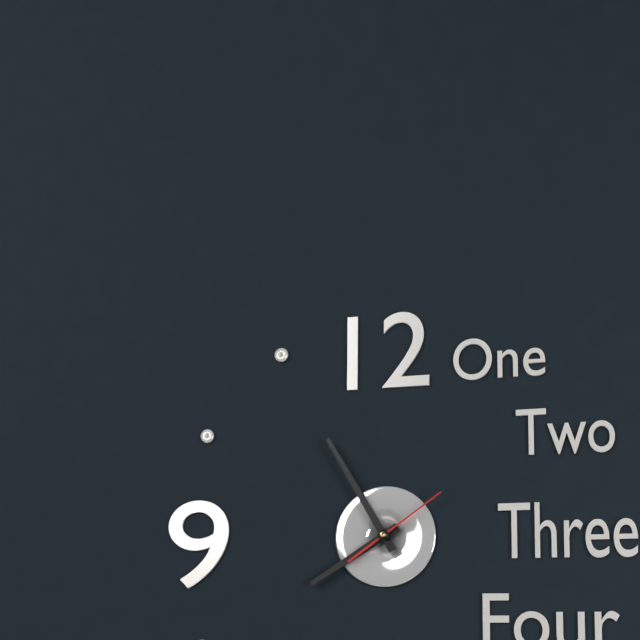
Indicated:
7 h 55 min 09 s
